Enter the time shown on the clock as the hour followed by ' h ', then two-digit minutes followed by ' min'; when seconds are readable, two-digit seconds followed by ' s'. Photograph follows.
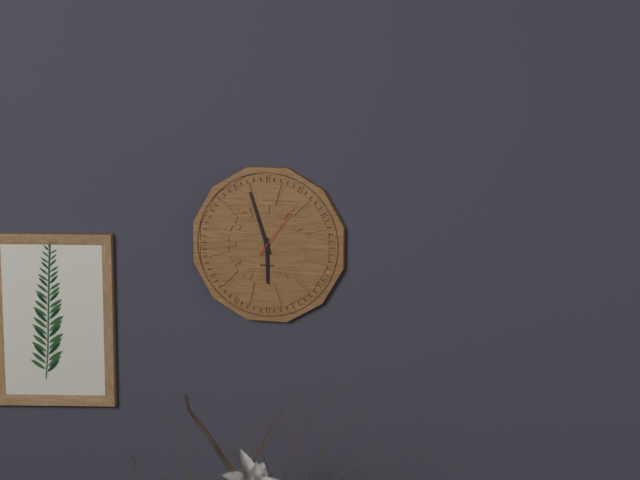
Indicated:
5 h 57 min 06 s
